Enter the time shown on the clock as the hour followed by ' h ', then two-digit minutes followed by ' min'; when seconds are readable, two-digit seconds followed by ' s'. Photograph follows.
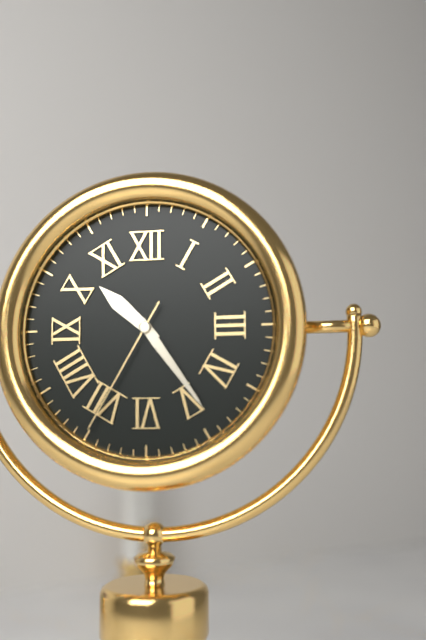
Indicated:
10 h 24 min 35 s
